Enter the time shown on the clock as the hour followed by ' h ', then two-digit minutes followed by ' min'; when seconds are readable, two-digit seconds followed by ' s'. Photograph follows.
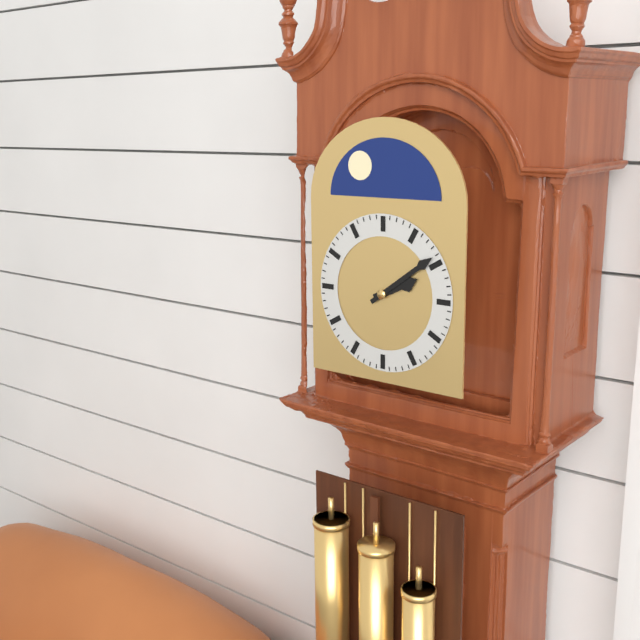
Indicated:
2 h 09 min
